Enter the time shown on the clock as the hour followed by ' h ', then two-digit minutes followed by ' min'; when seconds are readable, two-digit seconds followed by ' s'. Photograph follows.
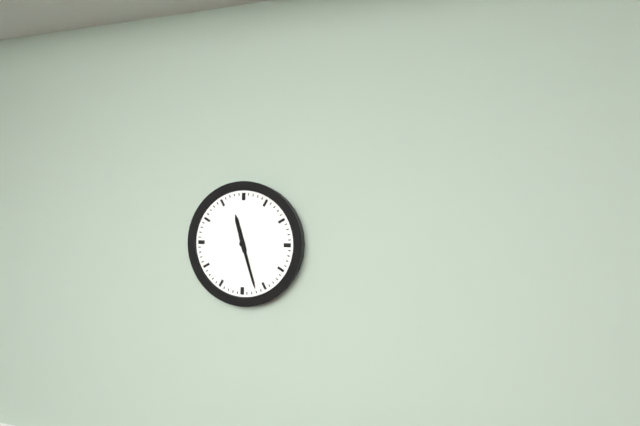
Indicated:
11 h 27 min
